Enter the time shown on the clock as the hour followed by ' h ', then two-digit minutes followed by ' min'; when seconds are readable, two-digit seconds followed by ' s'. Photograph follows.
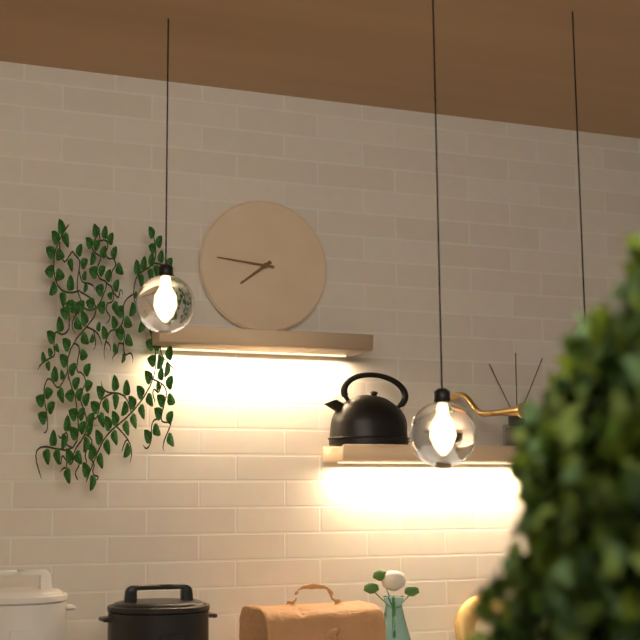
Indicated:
7 h 46 min
